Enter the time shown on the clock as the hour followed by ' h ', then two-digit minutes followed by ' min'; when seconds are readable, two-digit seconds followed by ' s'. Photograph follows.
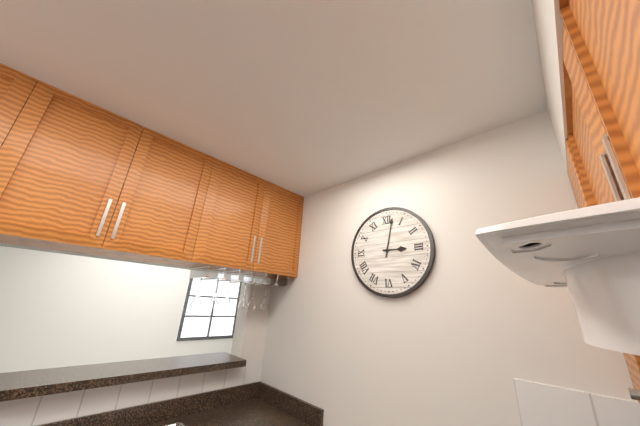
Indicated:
3 h 02 min
